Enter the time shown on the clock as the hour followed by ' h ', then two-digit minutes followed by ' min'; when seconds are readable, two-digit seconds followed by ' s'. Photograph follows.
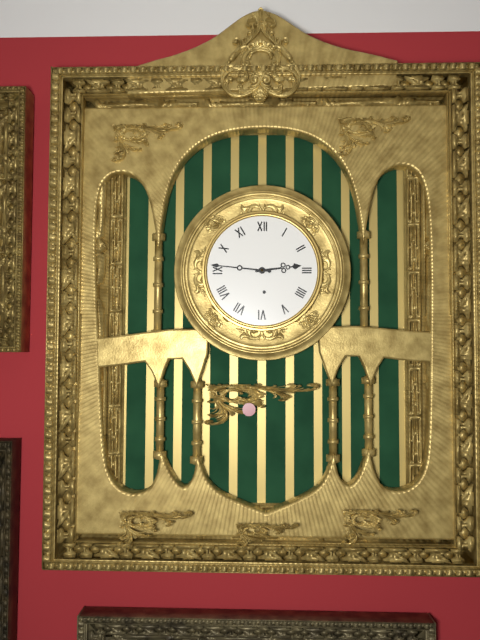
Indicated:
2 h 46 min
